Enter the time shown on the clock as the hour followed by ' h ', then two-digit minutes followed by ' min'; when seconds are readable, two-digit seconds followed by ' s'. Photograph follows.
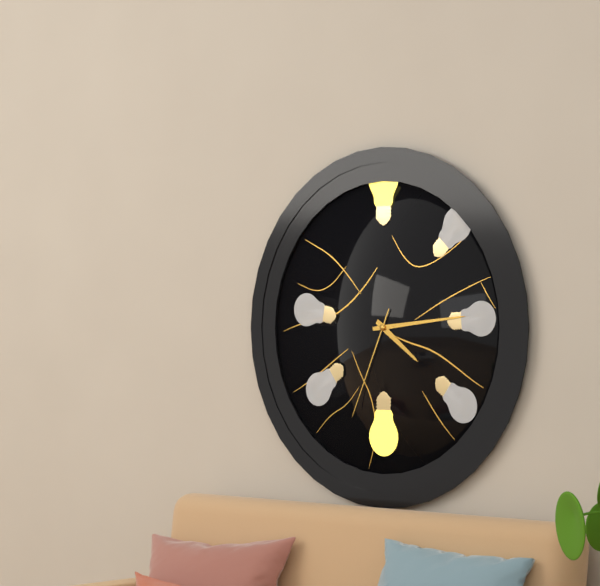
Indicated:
4 h 14 min 34 s
